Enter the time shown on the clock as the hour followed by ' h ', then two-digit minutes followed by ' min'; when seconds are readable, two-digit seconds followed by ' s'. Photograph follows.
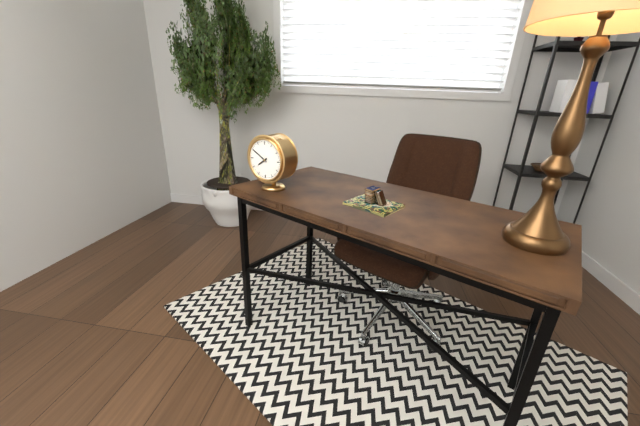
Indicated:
7 h 50 min
